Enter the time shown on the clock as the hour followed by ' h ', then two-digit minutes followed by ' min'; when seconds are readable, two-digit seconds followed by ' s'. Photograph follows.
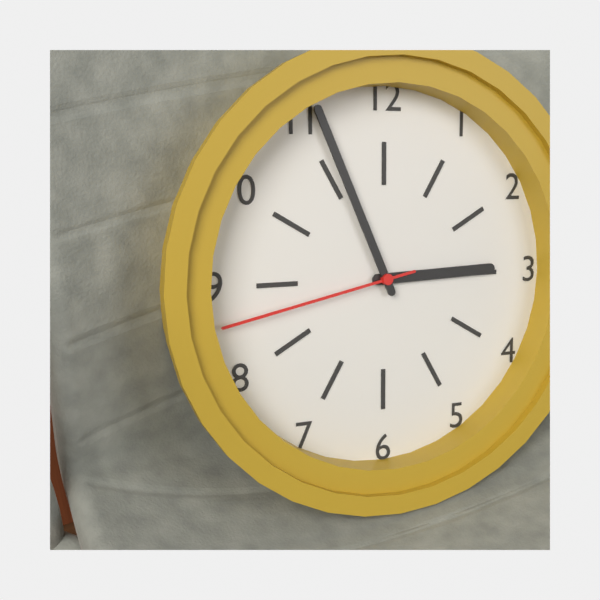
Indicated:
2 h 56 min 43 s
